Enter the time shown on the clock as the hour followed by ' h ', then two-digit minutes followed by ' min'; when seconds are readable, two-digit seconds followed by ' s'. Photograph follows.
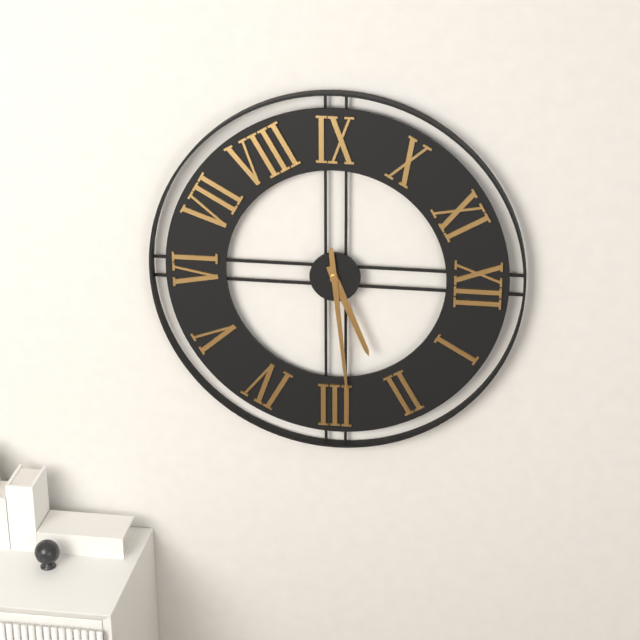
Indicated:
2 h 14 min
